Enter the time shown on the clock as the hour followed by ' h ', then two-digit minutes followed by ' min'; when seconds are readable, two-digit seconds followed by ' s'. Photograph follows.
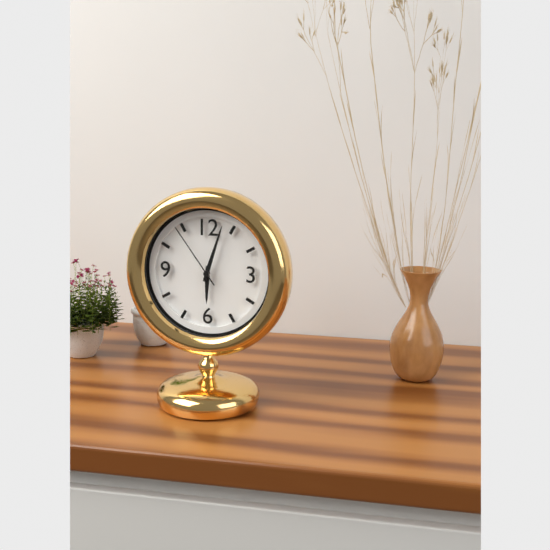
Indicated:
6 h 03 min 54 s
